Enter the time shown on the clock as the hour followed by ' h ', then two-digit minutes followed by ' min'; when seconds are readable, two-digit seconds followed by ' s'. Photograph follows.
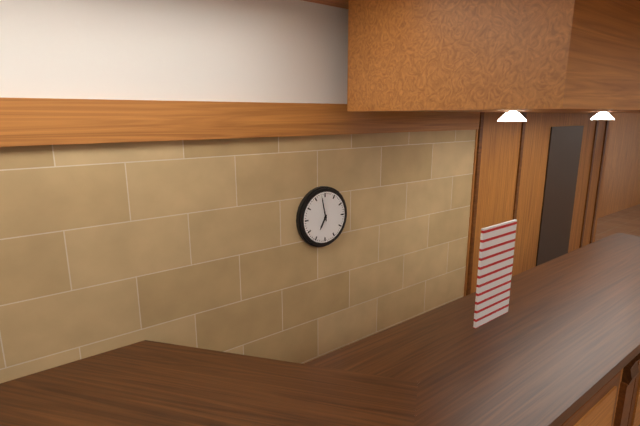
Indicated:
6 h 58 min
